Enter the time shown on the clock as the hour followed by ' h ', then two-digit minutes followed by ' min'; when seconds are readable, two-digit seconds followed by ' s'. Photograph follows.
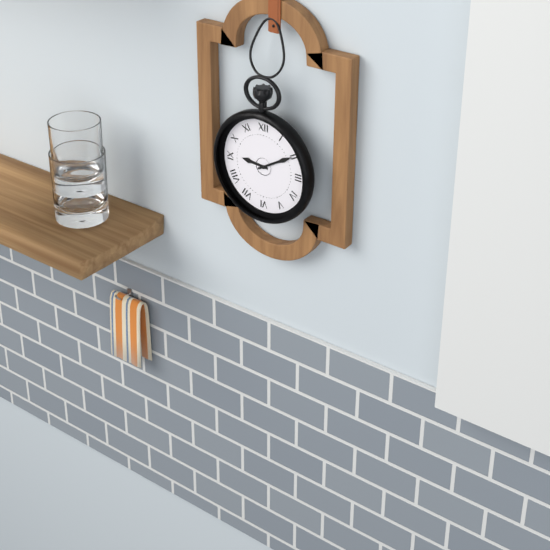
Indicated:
9 h 10 min
